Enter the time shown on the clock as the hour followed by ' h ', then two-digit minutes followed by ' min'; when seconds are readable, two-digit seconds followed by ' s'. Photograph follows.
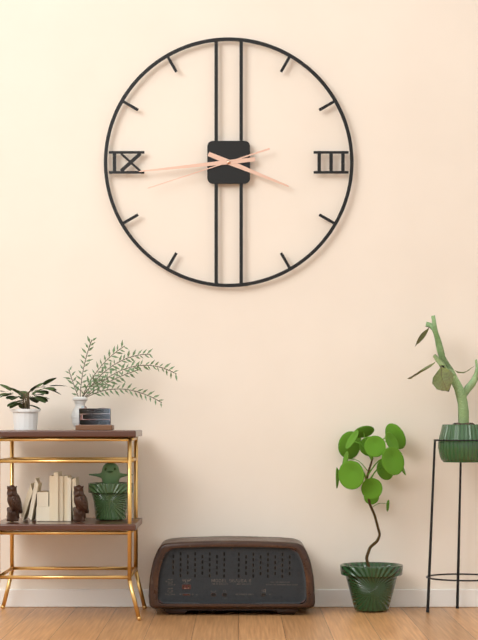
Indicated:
3 h 44 min 42 s
